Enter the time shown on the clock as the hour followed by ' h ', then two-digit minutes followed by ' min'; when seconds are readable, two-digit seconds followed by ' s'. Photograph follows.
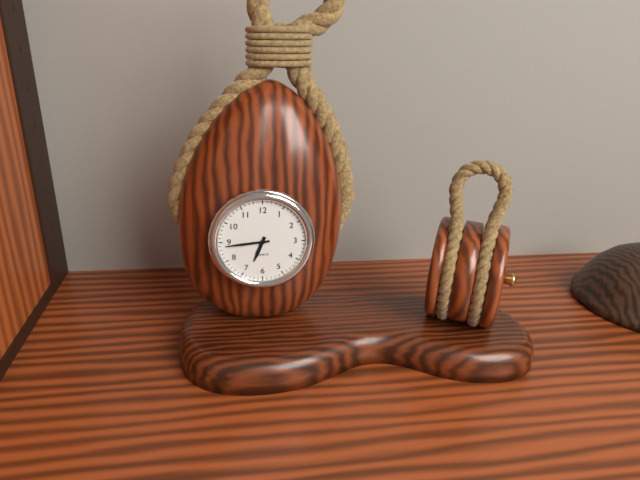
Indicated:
6 h 44 min
